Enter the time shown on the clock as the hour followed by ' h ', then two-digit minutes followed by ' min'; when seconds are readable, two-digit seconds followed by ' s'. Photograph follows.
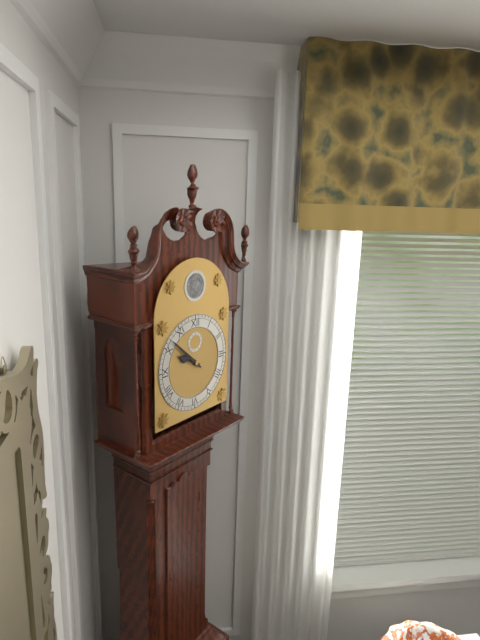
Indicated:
9 h 52 min
